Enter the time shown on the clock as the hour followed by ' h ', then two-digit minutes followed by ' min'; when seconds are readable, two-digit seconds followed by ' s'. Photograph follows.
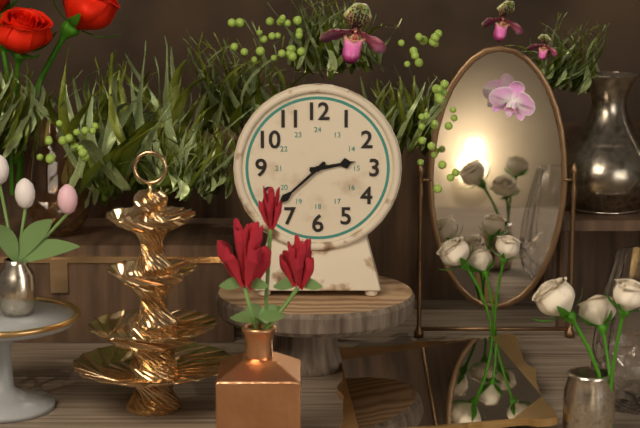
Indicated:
2 h 38 min
